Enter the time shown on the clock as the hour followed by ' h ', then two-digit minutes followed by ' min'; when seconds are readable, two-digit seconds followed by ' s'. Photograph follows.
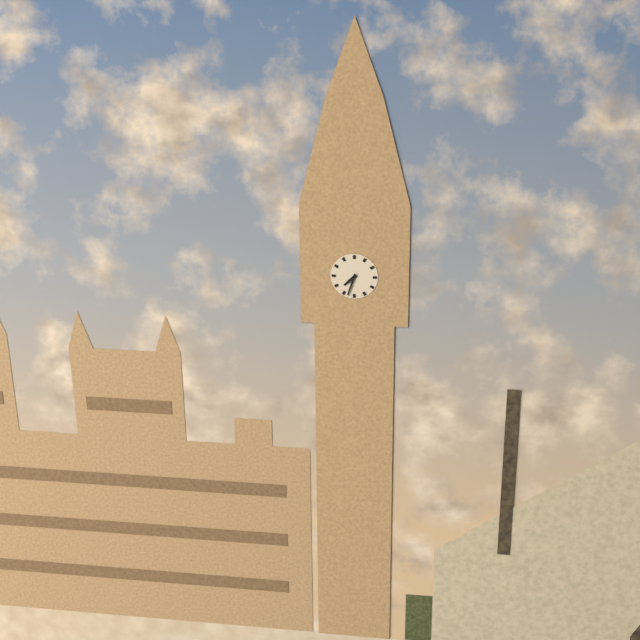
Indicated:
7 h 33 min
